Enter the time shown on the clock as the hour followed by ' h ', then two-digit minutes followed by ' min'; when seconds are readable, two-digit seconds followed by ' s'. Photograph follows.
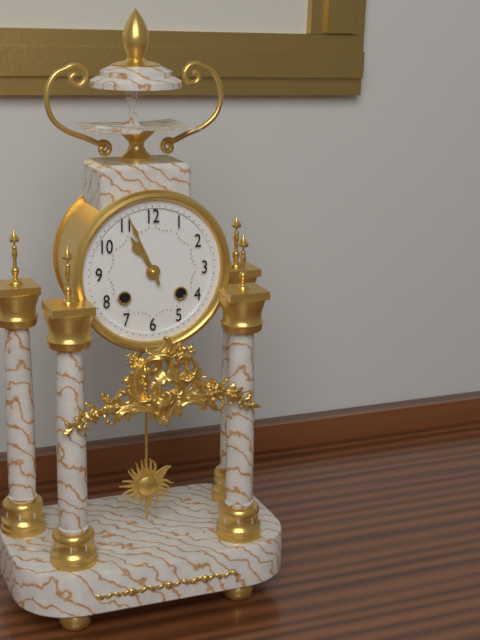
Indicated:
10 h 56 min
